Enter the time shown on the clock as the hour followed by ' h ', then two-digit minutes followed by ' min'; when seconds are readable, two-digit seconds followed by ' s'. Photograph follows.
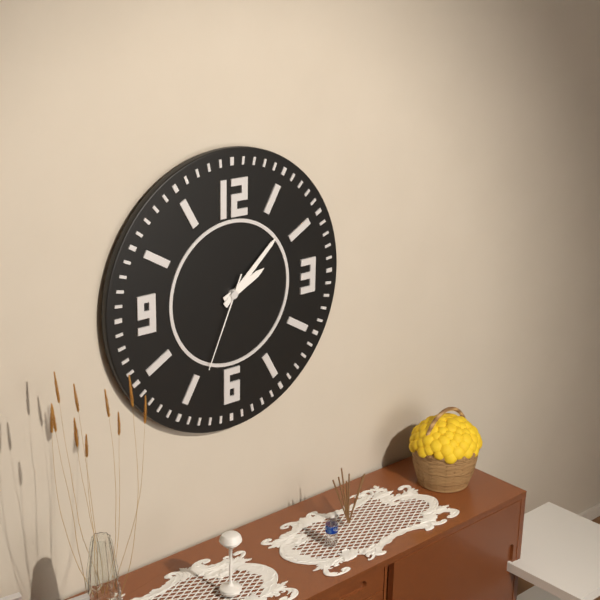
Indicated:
2 h 08 min 34 s
